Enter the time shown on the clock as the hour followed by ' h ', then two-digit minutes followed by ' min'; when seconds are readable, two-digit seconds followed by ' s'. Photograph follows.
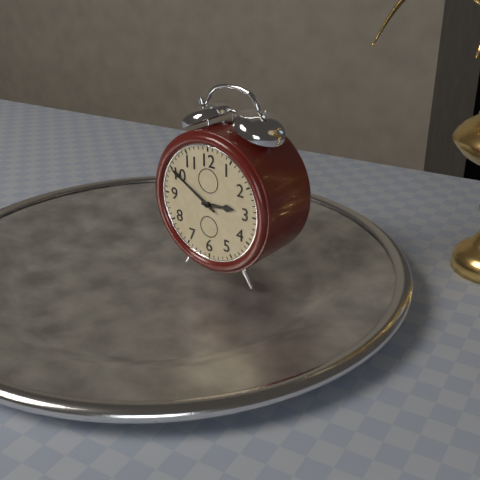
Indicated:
2 h 50 min
